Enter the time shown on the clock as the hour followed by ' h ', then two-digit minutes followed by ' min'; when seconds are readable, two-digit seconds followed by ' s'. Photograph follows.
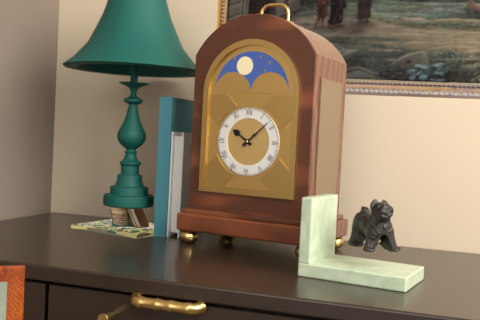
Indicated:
10 h 08 min
